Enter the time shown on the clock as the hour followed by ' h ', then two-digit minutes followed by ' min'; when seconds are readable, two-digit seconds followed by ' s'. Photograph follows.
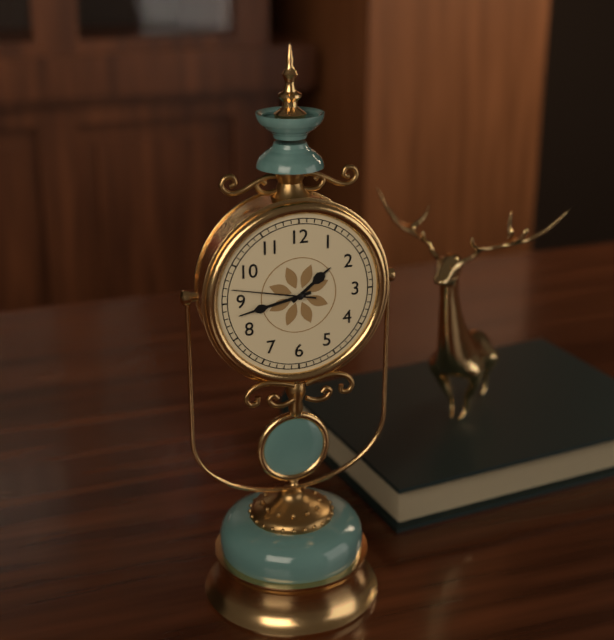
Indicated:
1 h 43 min 47 s
